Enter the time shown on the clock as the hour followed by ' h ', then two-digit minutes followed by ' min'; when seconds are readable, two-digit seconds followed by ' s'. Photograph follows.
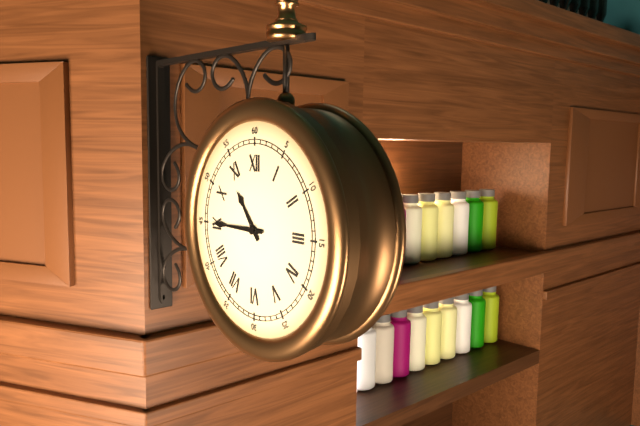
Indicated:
10 h 45 min
